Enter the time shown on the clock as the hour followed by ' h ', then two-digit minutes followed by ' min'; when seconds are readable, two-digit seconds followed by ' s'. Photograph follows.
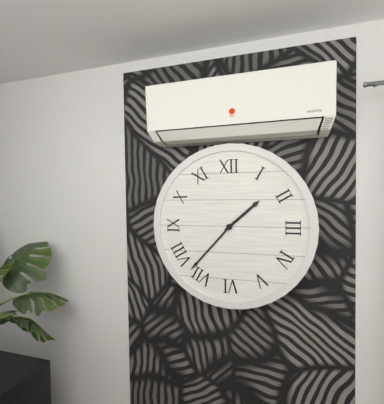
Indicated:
1 h 37 min
